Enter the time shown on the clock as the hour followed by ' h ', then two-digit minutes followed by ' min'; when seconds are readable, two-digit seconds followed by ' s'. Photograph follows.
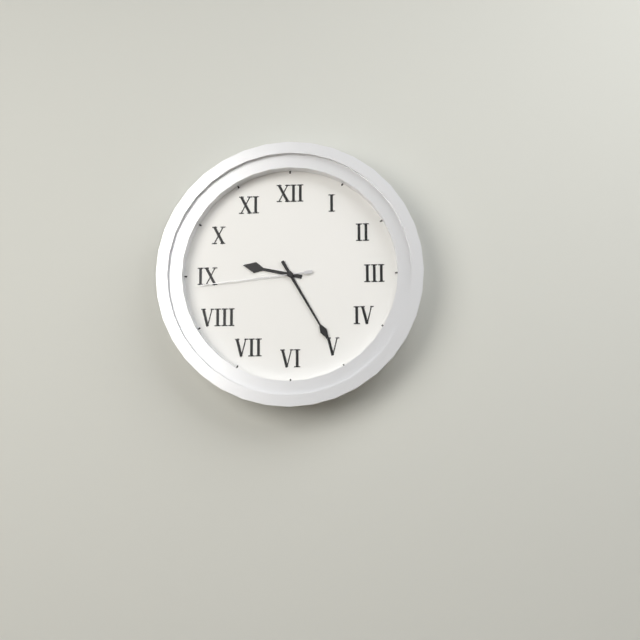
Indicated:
9 h 25 min 44 s
